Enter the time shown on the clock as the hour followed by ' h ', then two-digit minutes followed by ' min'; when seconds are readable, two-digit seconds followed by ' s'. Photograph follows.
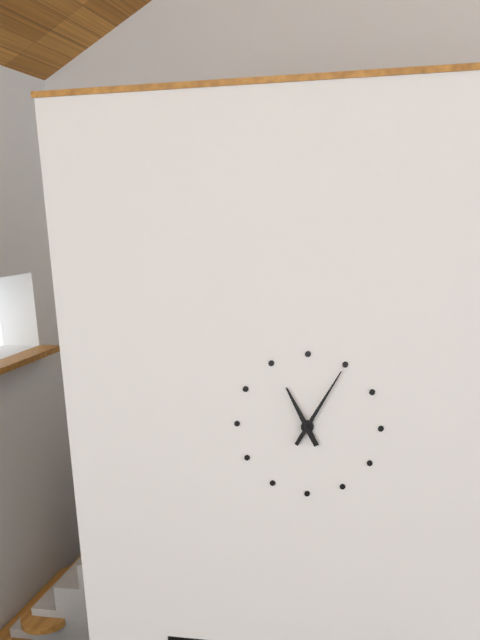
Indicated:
11 h 05 min
